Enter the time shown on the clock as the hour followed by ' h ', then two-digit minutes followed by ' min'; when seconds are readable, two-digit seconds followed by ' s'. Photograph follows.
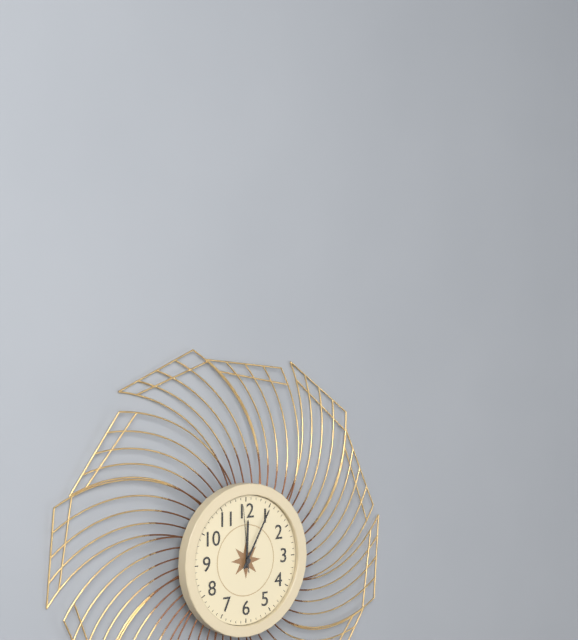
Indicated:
12 h 05 min 59 s
